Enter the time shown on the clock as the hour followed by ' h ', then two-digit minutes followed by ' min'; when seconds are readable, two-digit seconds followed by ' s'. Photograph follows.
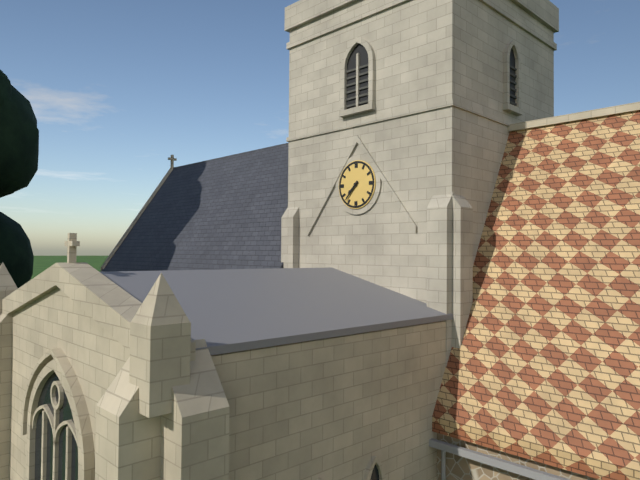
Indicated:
7 h 37 min
